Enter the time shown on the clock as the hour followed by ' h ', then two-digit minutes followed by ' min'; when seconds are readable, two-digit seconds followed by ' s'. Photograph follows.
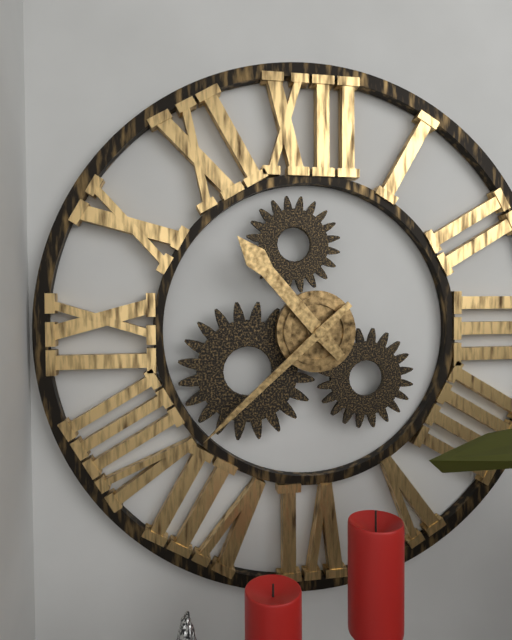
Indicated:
10 h 38 min
